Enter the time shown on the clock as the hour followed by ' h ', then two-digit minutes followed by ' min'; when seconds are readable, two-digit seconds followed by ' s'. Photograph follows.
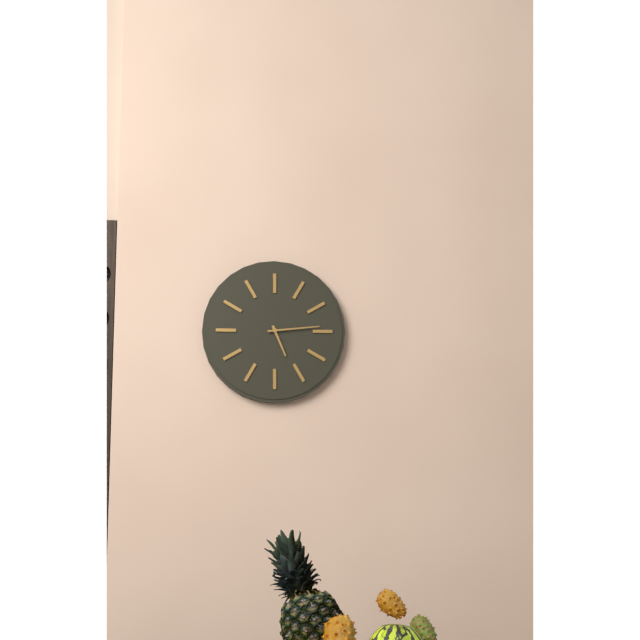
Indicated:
5 h 14 min
